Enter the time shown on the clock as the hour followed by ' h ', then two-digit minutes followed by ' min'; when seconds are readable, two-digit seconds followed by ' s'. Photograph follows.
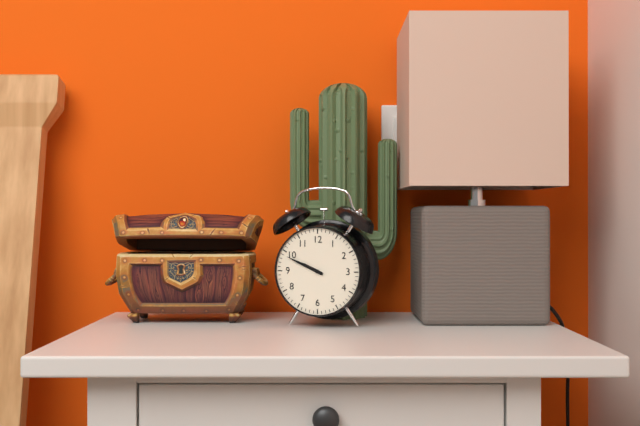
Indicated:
9 h 49 min
